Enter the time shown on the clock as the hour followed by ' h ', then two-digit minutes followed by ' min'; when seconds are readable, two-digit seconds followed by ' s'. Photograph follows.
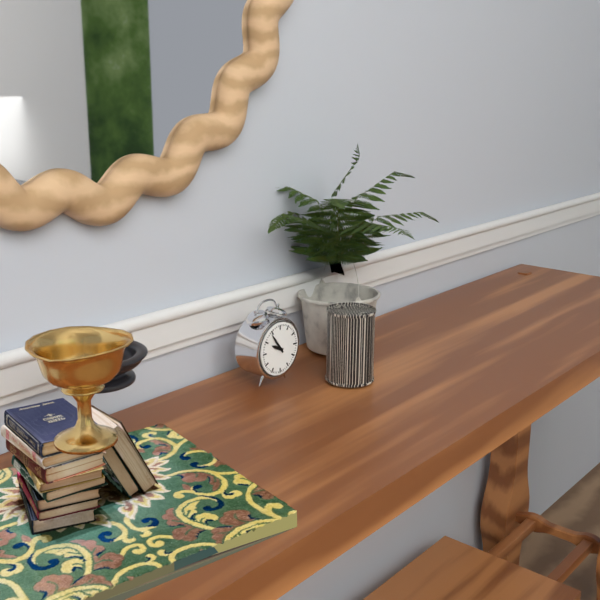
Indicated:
9 h 54 min
